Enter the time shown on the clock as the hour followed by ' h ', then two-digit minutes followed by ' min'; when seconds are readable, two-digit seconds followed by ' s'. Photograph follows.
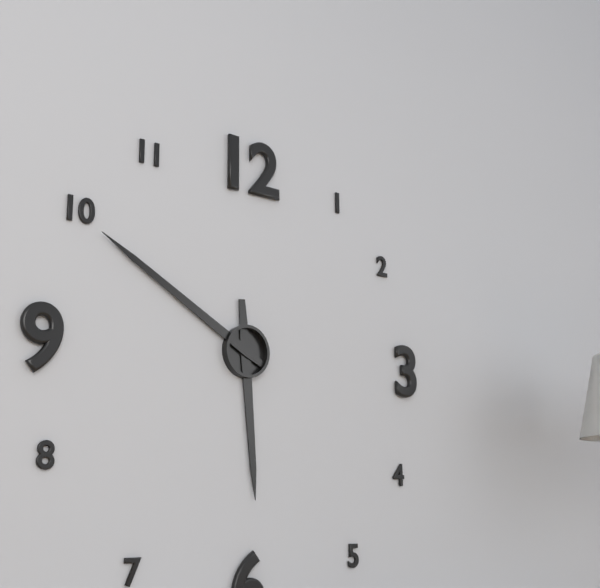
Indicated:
5 h 50 min
